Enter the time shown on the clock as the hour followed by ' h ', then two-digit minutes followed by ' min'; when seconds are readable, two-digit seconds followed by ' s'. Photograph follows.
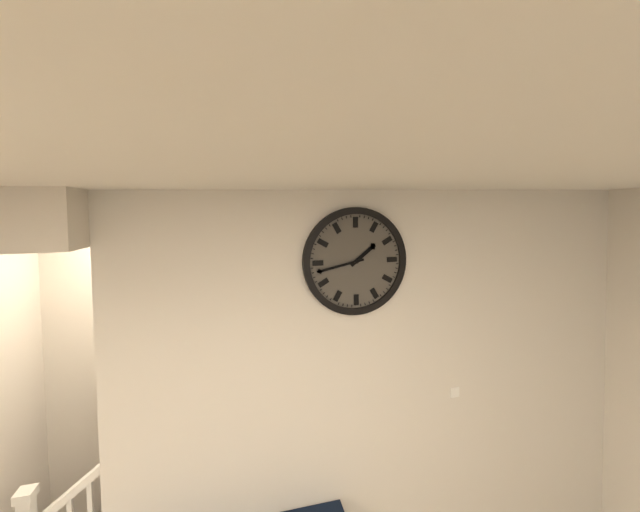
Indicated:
1 h 43 min
